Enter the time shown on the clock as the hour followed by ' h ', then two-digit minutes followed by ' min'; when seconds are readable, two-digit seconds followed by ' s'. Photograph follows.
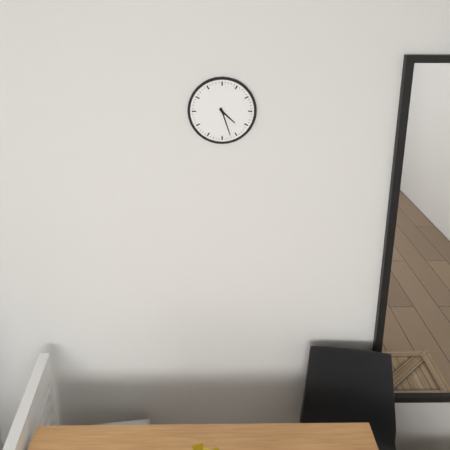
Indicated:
4 h 27 min
